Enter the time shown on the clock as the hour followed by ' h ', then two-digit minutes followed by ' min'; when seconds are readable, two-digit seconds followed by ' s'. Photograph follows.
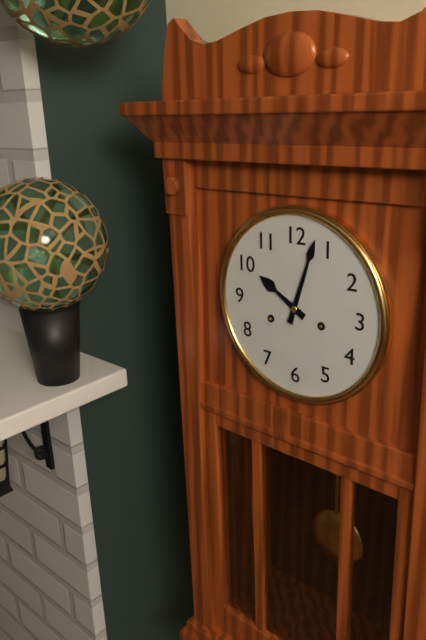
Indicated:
10 h 03 min
